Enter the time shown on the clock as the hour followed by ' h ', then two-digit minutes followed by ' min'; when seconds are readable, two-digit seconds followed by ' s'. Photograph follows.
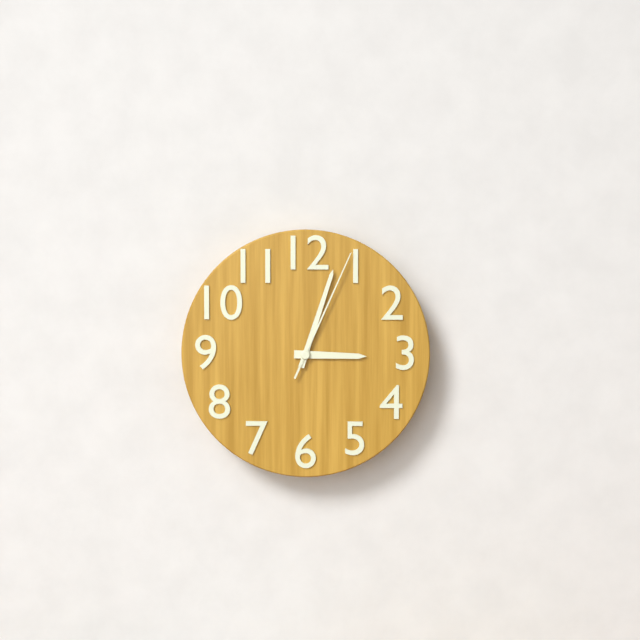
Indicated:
3 h 03 min 04 s
